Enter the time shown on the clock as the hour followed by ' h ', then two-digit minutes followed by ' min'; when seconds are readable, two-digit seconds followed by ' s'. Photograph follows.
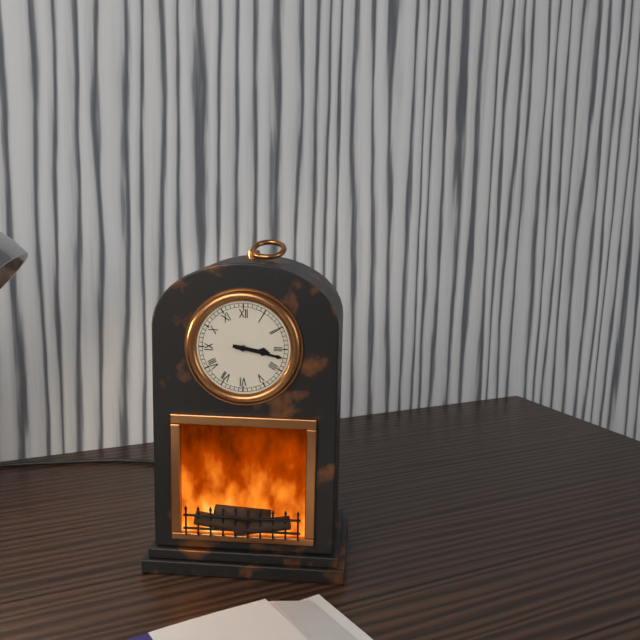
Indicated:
3 h 17 min
